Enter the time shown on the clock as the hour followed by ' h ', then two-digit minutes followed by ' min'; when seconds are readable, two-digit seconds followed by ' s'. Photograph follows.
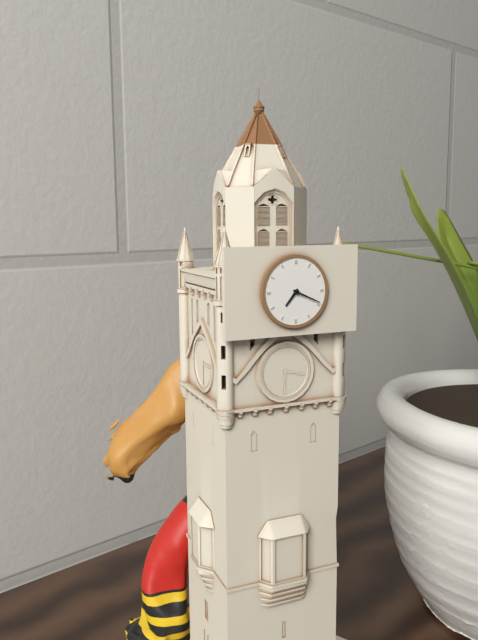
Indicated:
7 h 19 min
